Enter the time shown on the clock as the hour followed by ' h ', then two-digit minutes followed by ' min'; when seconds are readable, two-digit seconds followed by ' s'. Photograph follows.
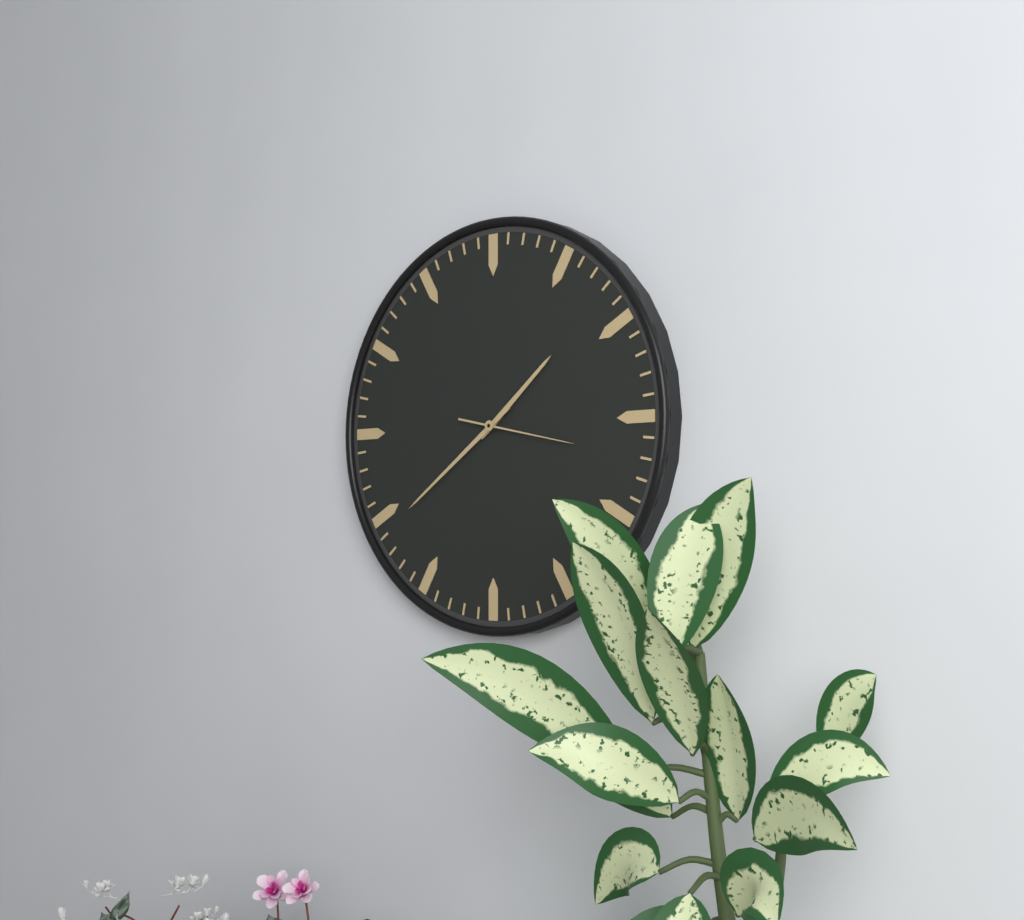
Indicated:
1 h 39 min 17 s
